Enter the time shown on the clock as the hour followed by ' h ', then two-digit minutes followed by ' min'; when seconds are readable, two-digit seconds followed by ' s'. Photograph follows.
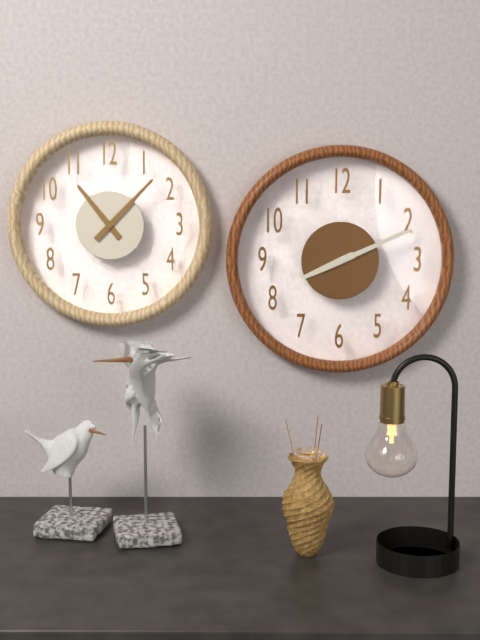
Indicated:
8 h 11 min
